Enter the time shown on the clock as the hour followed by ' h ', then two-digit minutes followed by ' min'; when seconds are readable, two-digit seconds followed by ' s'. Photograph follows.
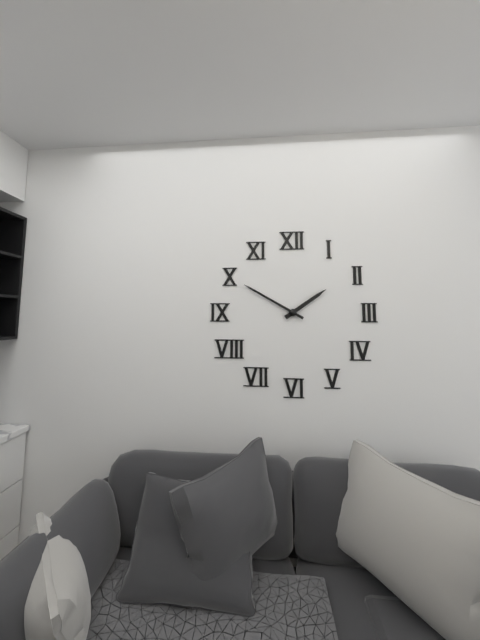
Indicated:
1 h 50 min
